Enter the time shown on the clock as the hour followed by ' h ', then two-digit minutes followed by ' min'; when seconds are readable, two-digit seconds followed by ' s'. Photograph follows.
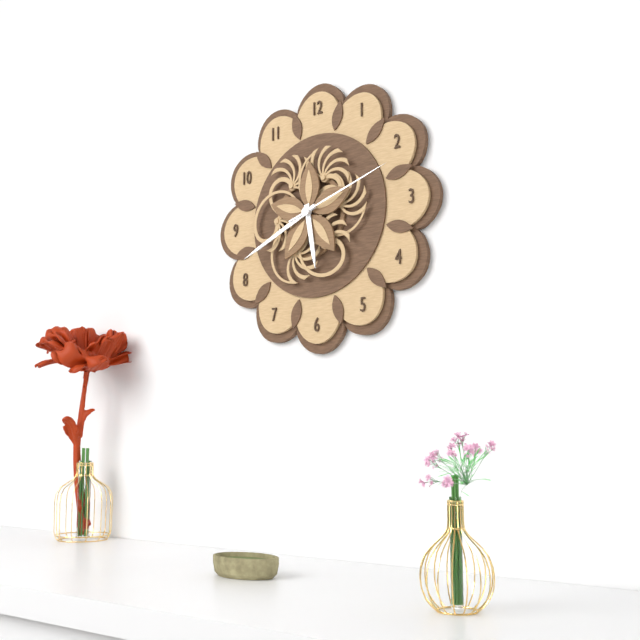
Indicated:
5 h 41 min 12 s
